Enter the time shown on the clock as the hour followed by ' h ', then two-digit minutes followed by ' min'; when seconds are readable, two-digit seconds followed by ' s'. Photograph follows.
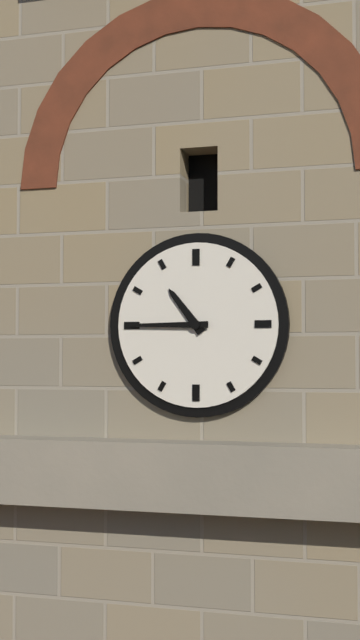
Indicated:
10 h 45 min
